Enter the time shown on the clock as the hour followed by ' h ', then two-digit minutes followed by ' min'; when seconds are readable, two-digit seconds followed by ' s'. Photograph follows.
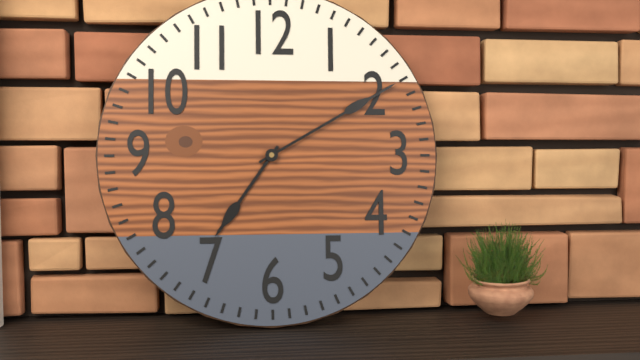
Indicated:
7 h 10 min
